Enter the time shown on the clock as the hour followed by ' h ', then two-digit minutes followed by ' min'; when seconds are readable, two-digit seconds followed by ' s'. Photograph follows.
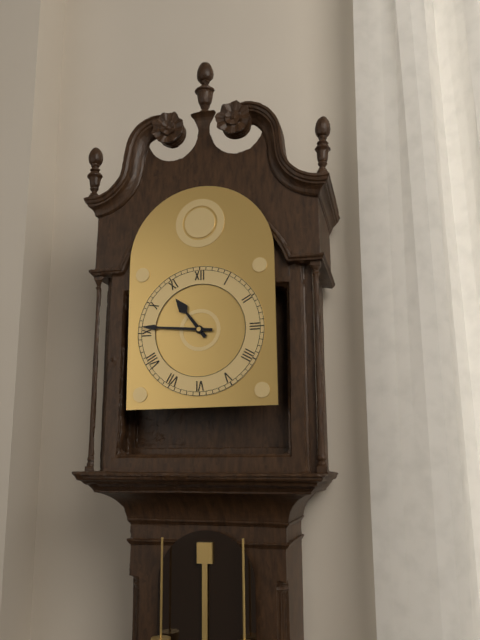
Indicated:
10 h 46 min
